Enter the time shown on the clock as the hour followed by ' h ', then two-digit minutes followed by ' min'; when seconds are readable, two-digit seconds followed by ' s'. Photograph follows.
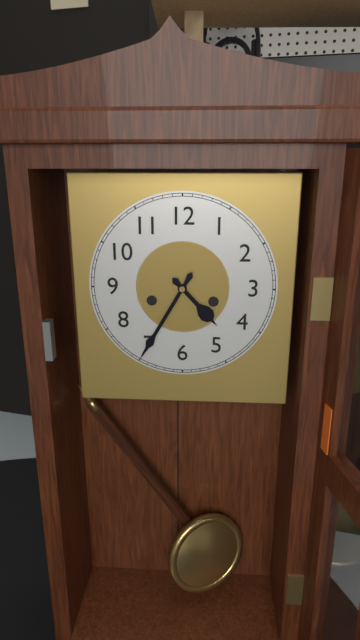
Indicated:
4 h 35 min
